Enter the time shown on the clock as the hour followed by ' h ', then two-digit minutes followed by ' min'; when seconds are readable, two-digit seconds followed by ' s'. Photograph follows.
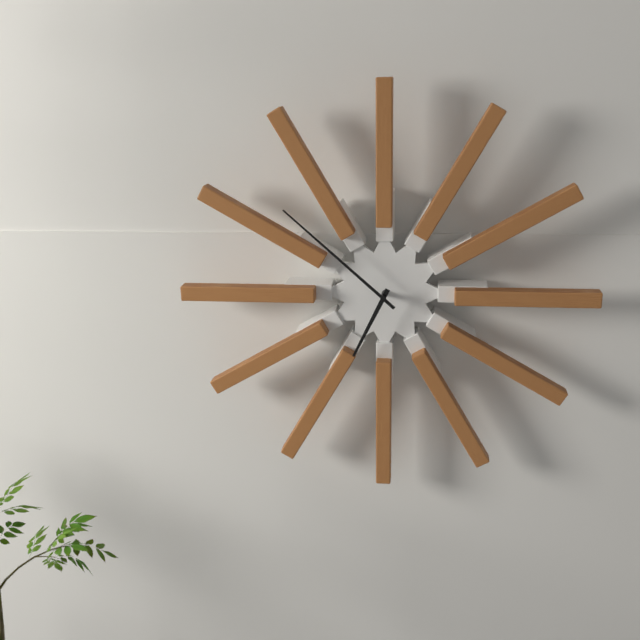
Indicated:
6 h 52 min
